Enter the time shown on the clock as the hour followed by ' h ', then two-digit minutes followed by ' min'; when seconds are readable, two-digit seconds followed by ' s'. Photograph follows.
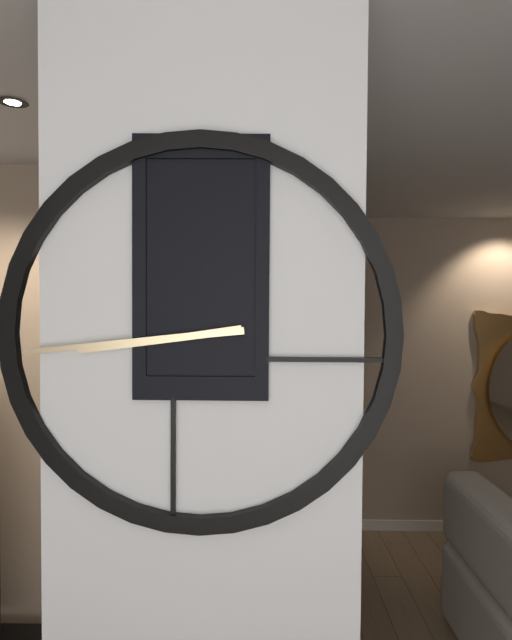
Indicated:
8 h 44 min
